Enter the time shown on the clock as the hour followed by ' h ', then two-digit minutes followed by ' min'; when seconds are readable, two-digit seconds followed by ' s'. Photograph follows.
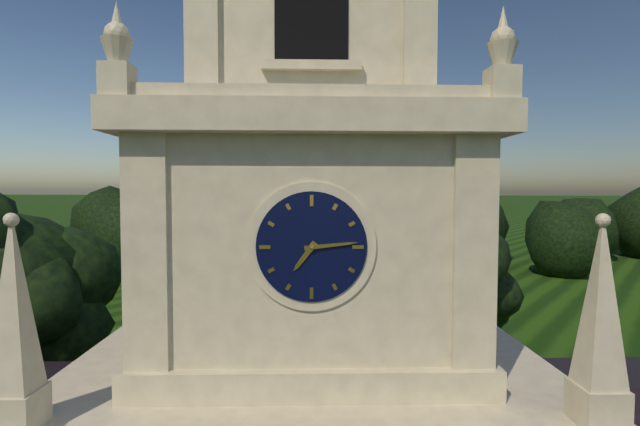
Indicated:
7 h 14 min
